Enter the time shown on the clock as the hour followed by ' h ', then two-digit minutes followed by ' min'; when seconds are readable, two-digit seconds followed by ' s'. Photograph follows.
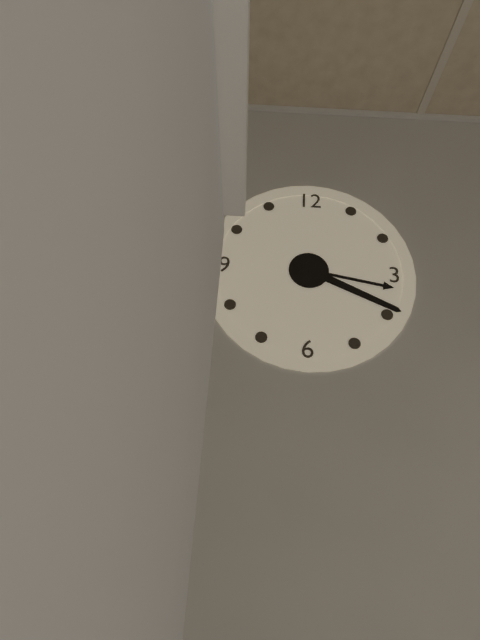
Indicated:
3 h 19 min
